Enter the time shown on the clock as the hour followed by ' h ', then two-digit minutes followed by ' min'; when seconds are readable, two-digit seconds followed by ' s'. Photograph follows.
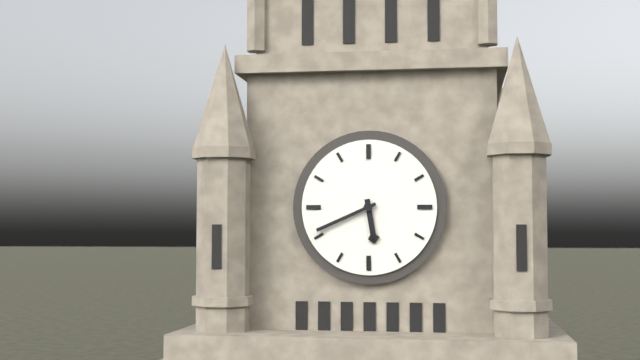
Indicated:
5 h 41 min
